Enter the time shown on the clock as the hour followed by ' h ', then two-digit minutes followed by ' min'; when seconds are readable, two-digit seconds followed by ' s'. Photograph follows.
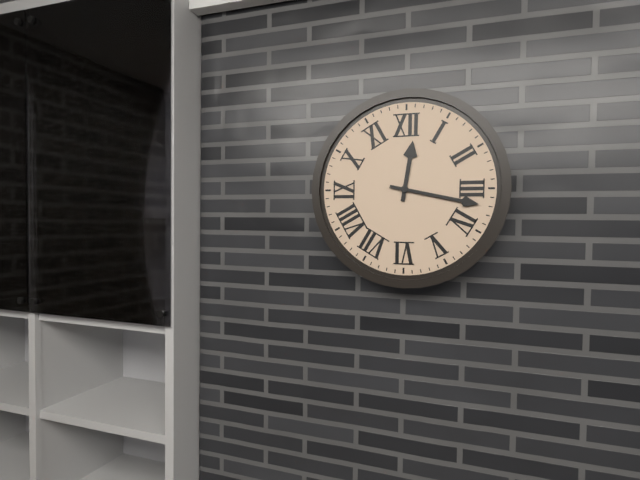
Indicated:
12 h 17 min
